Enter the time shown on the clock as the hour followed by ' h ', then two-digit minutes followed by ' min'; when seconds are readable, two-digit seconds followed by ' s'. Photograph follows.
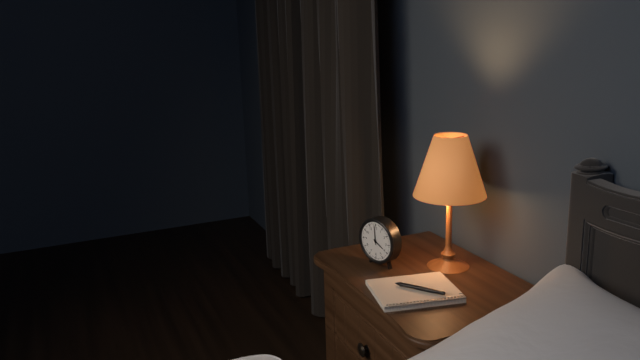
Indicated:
3 h 59 min
